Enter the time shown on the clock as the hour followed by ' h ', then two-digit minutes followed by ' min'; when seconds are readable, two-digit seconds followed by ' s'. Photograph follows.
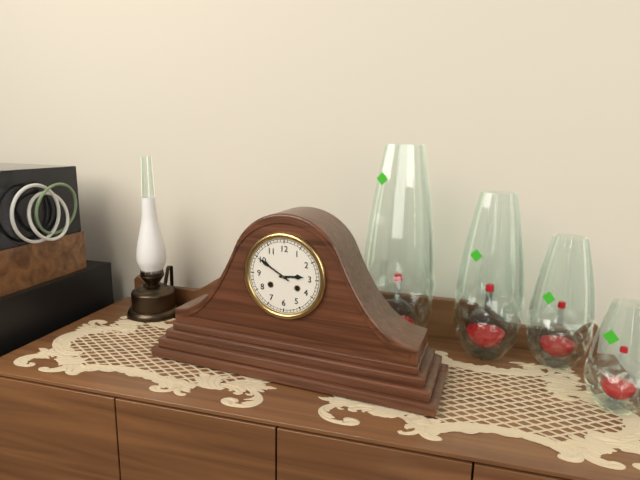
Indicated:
2 h 50 min
